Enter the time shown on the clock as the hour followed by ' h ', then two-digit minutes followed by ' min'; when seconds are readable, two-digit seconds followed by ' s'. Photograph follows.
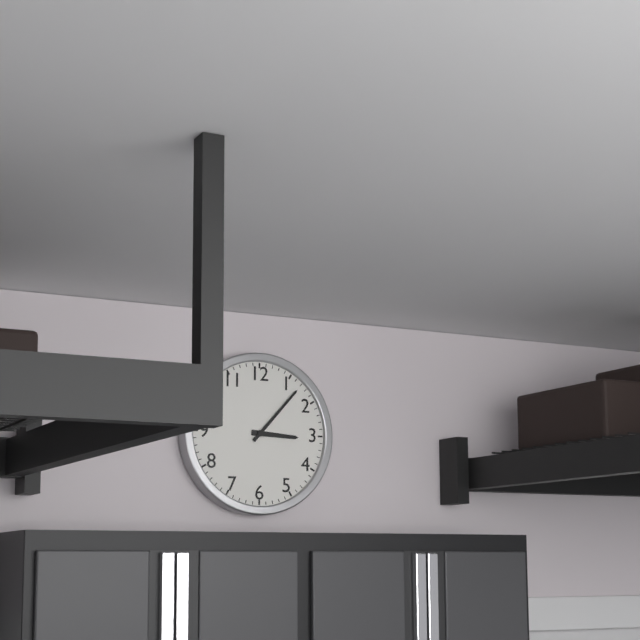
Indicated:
3 h 07 min
